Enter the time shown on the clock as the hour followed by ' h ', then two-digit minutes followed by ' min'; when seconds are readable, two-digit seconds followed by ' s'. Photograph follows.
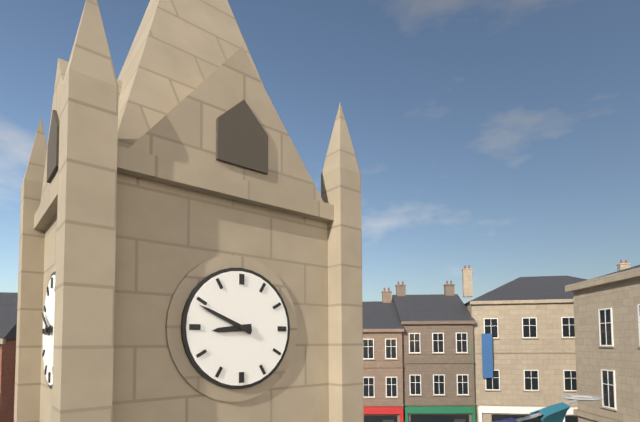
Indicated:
8 h 49 min
